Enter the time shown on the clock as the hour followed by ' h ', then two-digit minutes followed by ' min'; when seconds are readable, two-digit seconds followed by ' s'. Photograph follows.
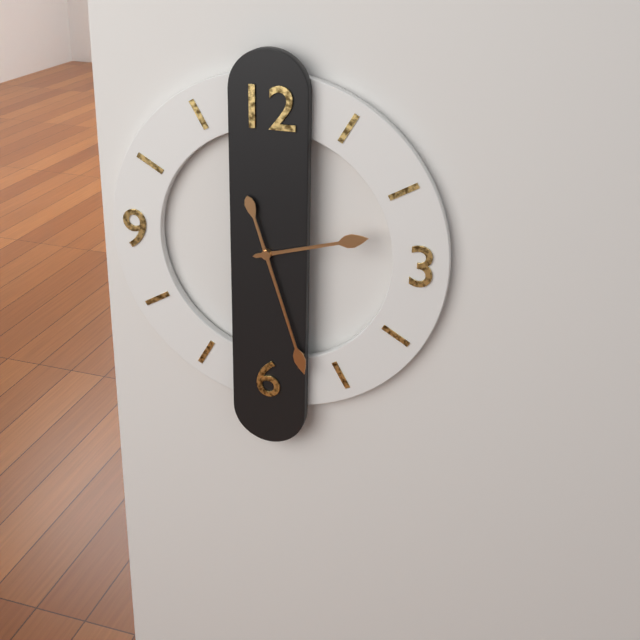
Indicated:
2 h 27 min
